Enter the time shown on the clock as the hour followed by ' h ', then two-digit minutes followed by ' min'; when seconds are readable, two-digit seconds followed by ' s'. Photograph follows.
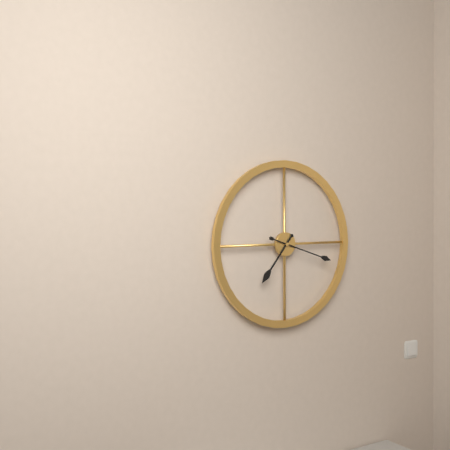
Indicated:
7 h 18 min
